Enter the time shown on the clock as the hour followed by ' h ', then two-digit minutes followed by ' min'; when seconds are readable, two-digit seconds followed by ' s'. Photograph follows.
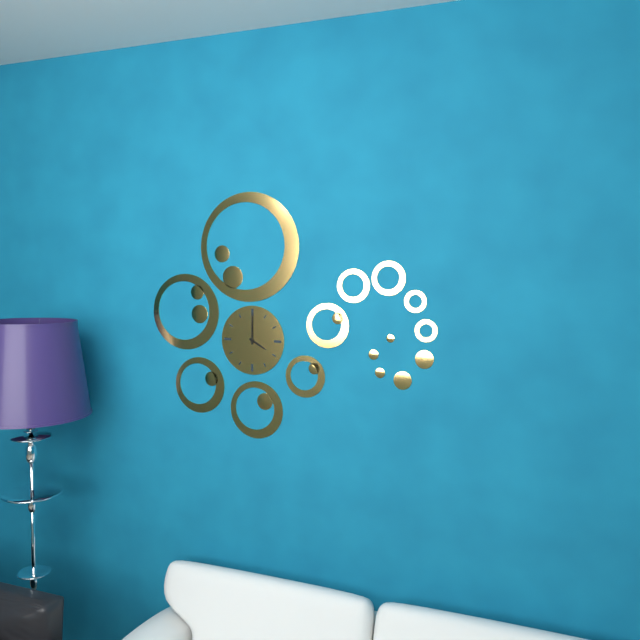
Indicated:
4 h 00 min
